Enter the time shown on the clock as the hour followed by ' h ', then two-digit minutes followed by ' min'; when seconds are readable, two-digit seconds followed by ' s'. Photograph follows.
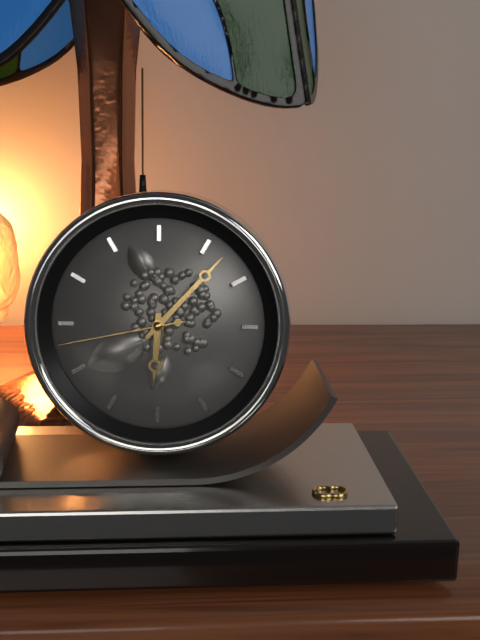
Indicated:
6 h 07 min 43 s
